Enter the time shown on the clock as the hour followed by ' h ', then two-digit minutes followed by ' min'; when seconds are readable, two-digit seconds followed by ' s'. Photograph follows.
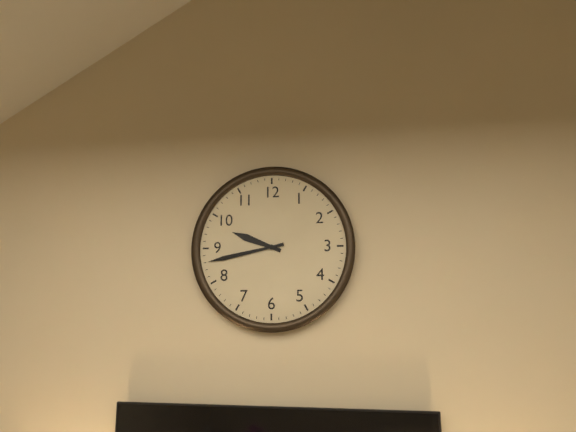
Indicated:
9 h 43 min
